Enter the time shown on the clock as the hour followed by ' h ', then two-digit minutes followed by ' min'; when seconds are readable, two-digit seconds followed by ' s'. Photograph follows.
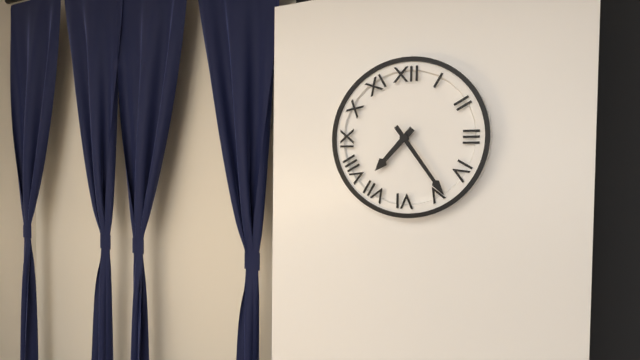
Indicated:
7 h 24 min
